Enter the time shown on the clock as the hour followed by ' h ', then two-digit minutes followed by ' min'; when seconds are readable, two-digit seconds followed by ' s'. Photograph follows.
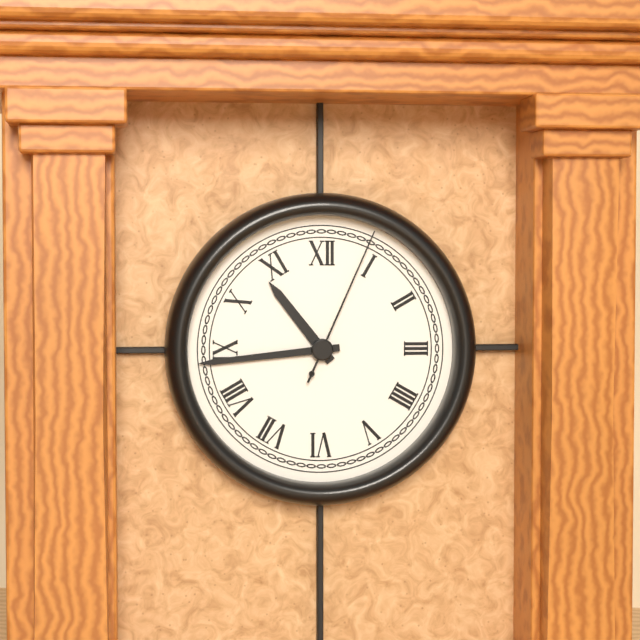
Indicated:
10 h 44 min 04 s
